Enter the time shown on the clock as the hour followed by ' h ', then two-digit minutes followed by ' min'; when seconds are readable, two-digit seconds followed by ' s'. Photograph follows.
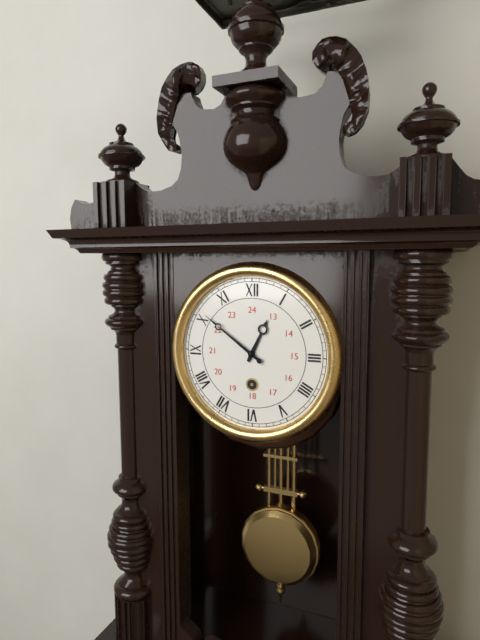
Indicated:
12 h 51 min
